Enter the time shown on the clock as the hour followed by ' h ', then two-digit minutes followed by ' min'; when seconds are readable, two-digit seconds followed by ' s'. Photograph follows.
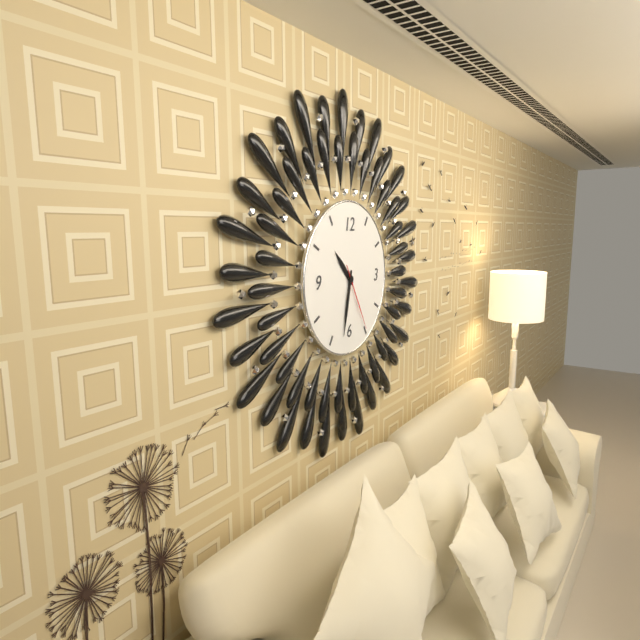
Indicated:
10 h 32 min 25 s
